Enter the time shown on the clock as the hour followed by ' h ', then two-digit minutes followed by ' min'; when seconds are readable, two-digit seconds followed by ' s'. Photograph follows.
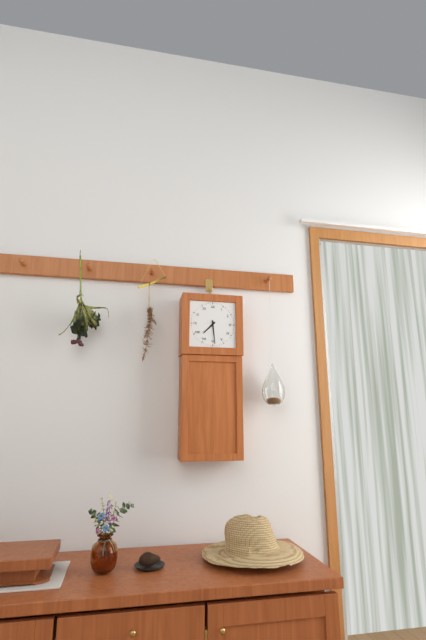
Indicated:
7 h 29 min
